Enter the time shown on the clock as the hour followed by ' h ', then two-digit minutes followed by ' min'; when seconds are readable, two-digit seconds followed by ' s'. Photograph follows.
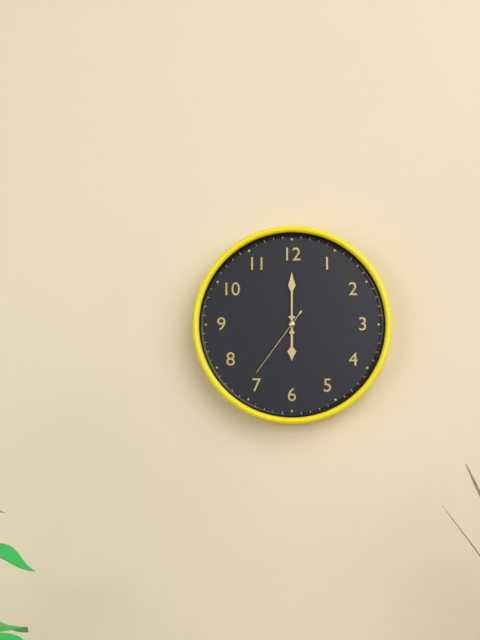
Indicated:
6 h 00 min 36 s
